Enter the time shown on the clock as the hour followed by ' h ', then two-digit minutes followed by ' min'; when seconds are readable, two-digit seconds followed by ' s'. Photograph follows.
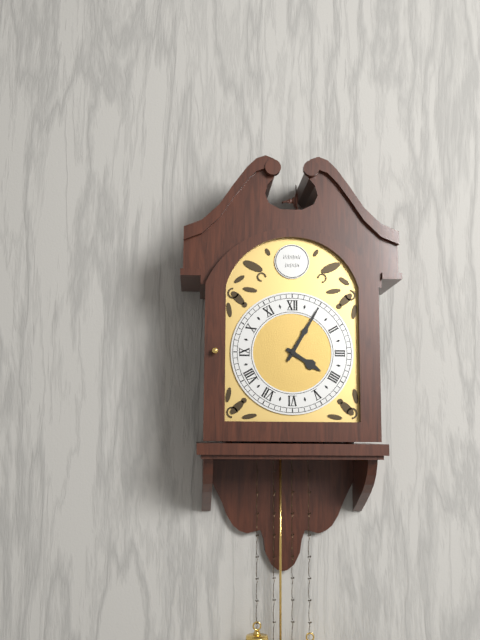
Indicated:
4 h 05 min
